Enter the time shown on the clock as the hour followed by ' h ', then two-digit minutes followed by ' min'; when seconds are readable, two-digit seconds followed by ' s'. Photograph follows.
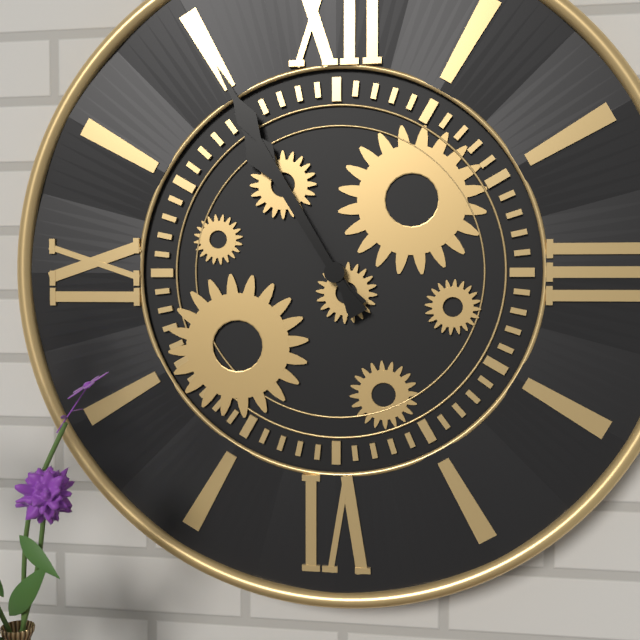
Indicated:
10 h 55 min
